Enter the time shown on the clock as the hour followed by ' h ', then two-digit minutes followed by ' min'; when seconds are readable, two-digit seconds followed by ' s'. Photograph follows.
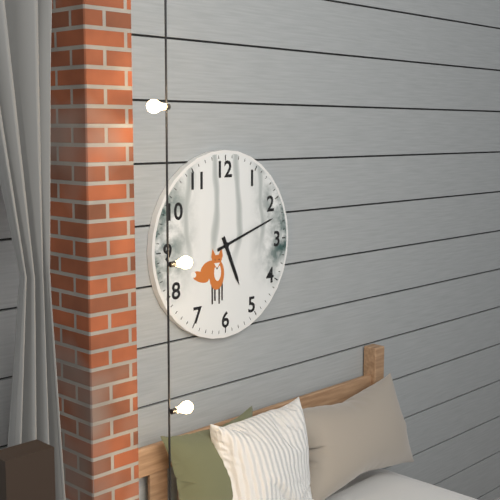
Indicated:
5 h 12 min
